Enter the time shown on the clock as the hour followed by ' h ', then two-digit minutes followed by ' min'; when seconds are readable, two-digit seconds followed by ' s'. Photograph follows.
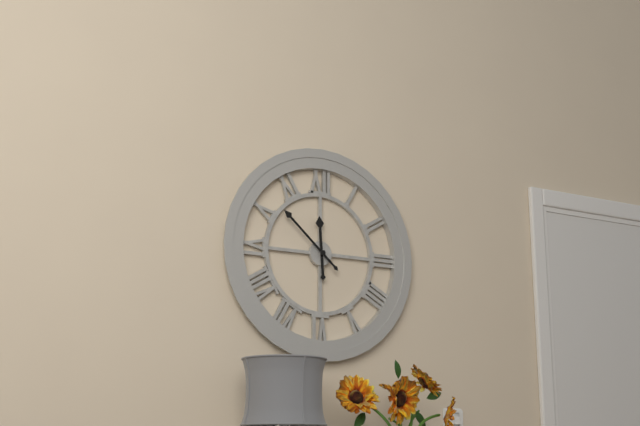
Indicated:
11 h 52 min
